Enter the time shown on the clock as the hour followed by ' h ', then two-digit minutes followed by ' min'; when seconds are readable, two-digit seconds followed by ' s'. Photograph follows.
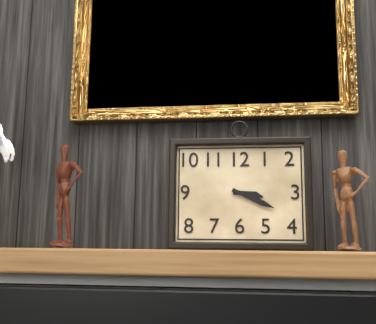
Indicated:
3 h 19 min
